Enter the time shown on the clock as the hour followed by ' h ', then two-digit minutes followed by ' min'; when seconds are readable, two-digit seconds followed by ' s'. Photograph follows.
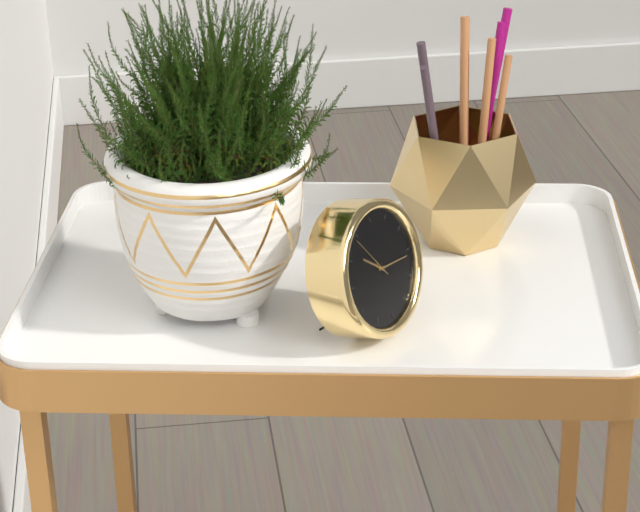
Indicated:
10 h 16 min
